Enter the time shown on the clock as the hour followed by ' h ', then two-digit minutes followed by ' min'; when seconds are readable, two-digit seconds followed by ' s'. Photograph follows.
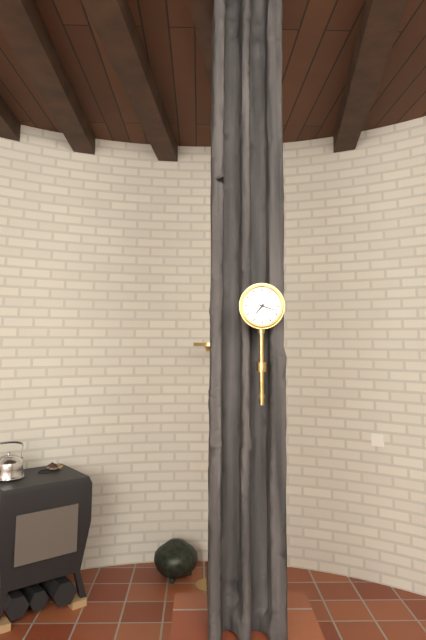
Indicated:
7 h 18 min
